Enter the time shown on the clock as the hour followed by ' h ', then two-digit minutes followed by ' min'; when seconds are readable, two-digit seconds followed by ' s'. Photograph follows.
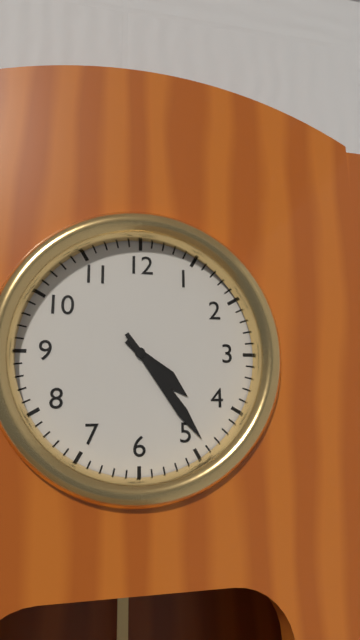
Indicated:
4 h 24 min
